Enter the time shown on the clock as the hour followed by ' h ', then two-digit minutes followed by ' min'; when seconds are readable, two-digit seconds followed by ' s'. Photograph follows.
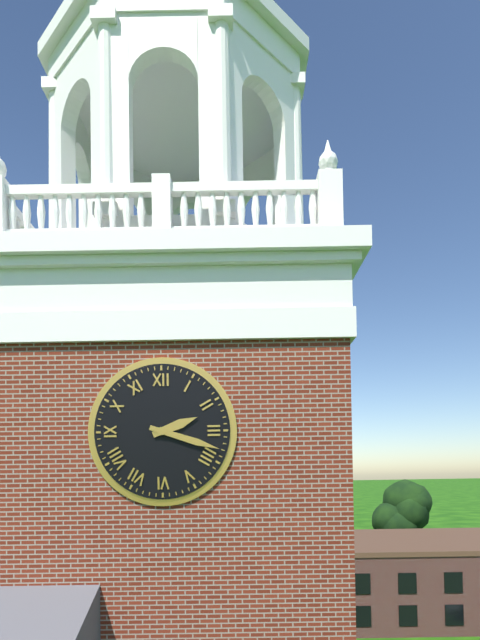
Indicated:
2 h 18 min
